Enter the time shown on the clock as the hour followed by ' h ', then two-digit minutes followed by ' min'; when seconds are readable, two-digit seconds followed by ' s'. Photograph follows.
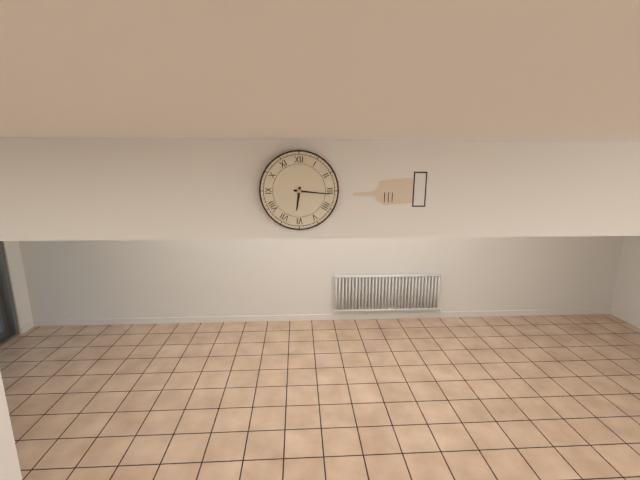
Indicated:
6 h 16 min
